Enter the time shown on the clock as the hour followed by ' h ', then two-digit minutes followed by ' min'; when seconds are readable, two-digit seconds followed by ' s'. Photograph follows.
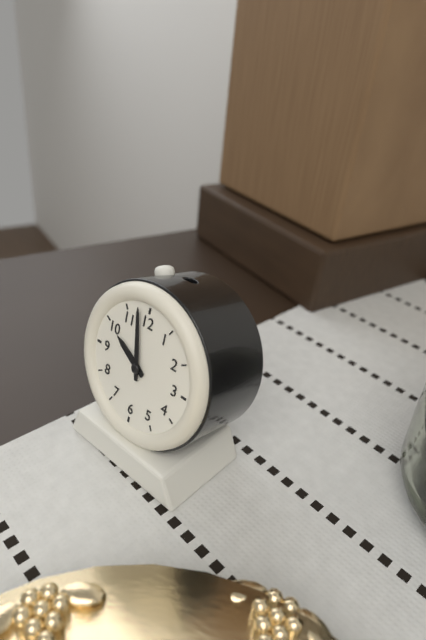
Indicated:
9 h 58 min
